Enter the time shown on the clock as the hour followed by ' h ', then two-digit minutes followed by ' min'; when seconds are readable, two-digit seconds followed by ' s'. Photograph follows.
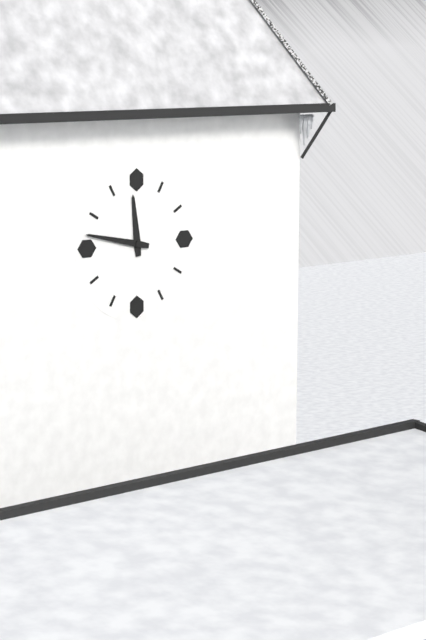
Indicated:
11 h 47 min
